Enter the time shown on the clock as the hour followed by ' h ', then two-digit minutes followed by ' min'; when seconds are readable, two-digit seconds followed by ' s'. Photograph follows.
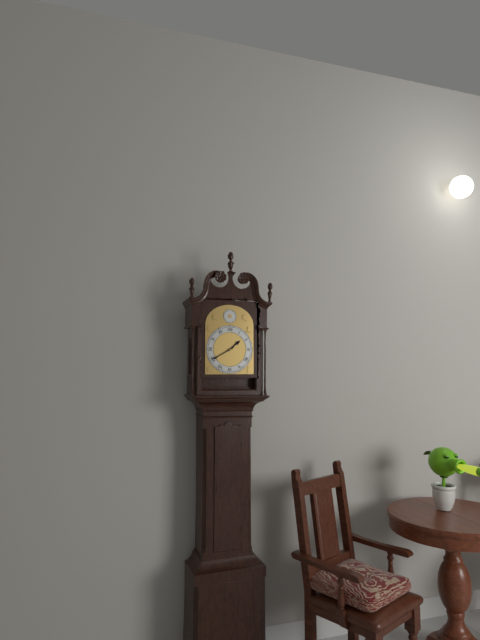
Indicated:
1 h 40 min
